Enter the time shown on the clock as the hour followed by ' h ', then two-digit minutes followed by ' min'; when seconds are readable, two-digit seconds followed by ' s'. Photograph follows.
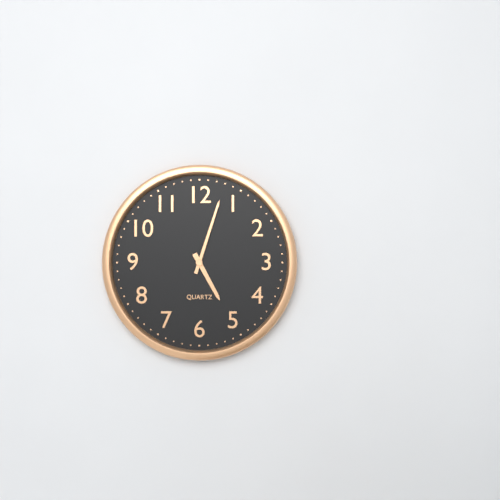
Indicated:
5 h 03 min
